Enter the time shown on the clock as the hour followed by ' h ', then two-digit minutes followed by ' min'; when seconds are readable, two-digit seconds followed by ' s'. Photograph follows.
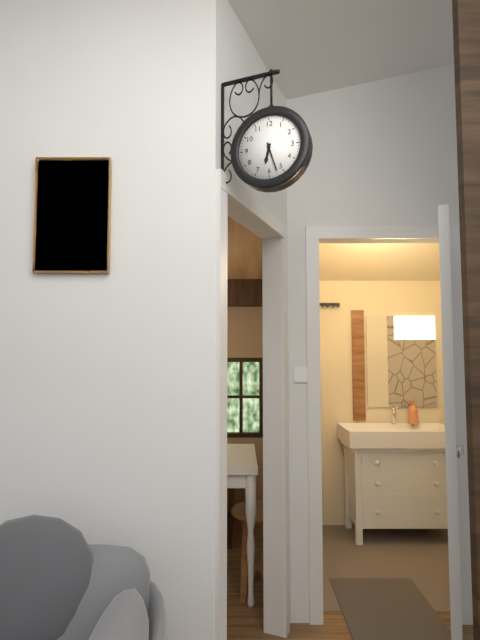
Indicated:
6 h 27 min
